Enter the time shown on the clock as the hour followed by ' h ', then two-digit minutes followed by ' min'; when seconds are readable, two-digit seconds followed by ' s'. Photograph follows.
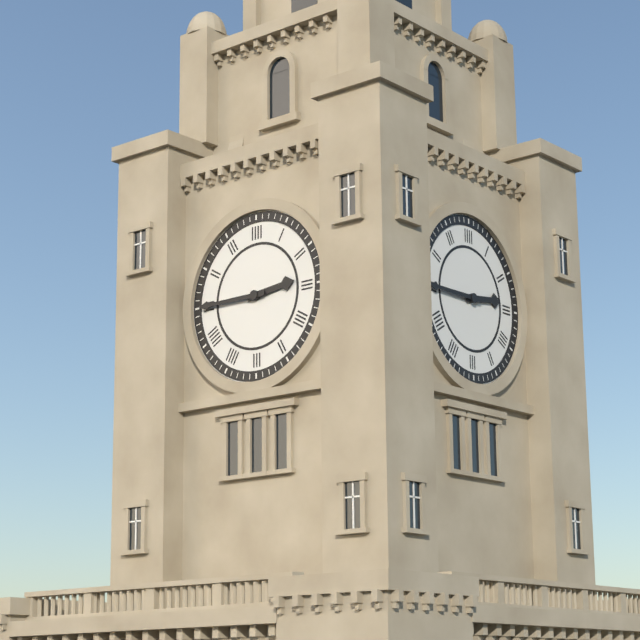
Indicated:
2 h 45 min
